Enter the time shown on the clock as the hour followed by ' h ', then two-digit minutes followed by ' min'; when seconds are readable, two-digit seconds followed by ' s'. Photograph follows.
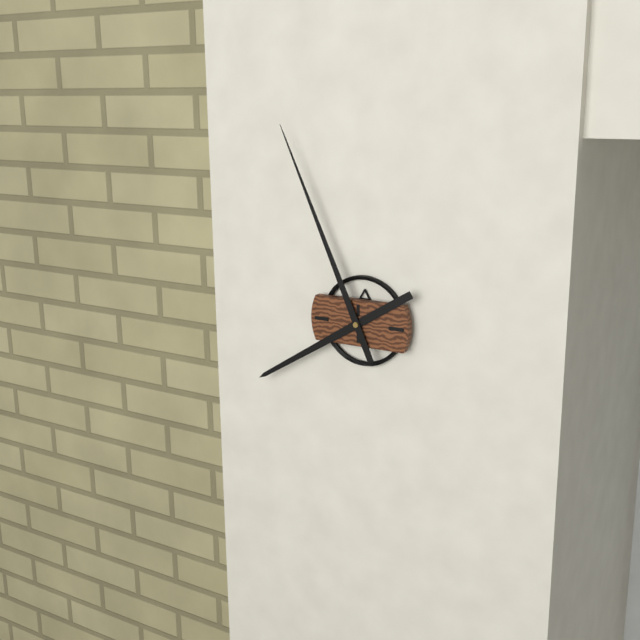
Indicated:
7 h 56 min
